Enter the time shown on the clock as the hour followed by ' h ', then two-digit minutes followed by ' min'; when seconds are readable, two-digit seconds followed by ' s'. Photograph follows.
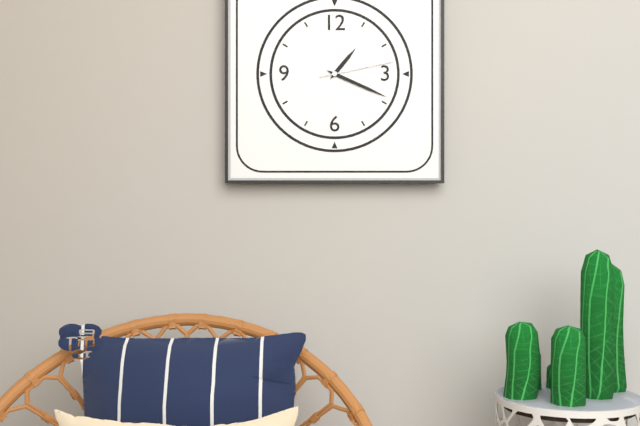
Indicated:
1 h 19 min 13 s
